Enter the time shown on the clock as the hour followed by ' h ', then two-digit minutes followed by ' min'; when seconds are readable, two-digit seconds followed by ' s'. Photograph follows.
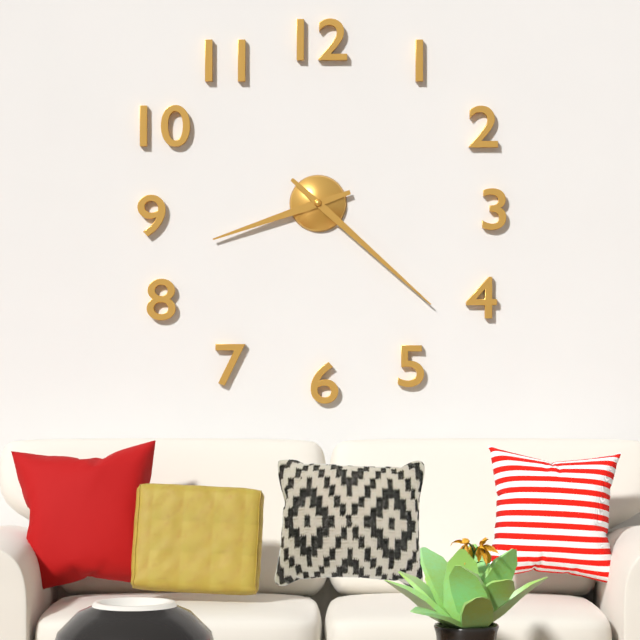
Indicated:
8 h 22 min
